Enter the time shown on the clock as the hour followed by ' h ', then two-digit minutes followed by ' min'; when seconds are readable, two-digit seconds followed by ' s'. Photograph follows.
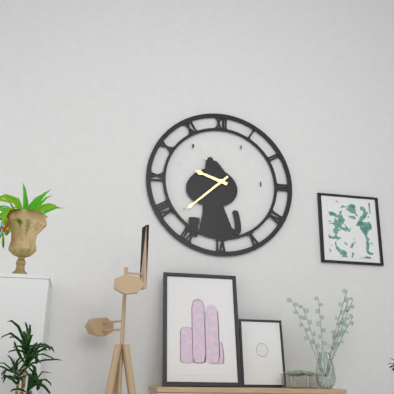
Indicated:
9 h 38 min
